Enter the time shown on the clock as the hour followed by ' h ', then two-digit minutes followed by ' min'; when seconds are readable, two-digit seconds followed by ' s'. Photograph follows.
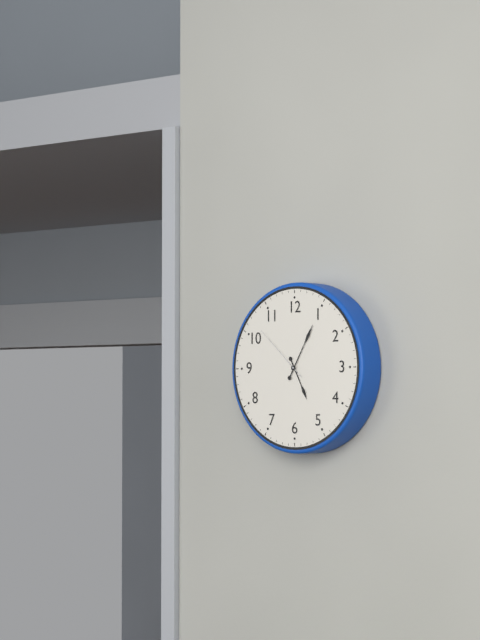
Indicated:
5 h 05 min 52 s
